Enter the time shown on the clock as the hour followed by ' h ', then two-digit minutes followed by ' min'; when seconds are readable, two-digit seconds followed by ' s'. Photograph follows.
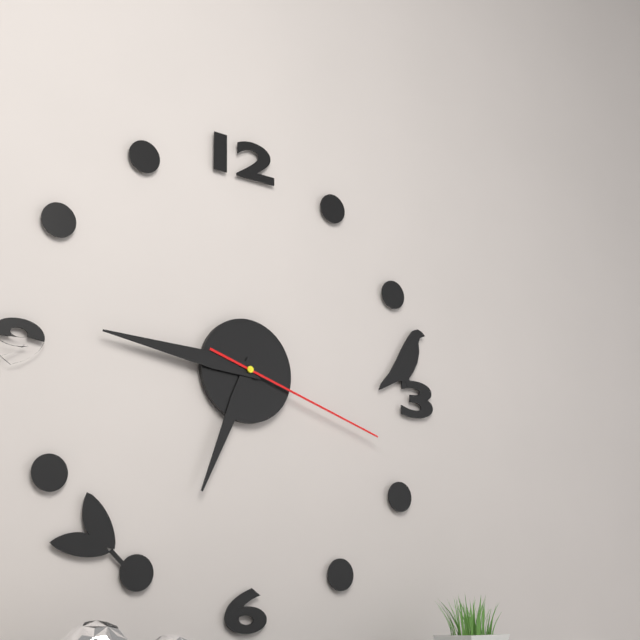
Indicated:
6 h 46 min 18 s
